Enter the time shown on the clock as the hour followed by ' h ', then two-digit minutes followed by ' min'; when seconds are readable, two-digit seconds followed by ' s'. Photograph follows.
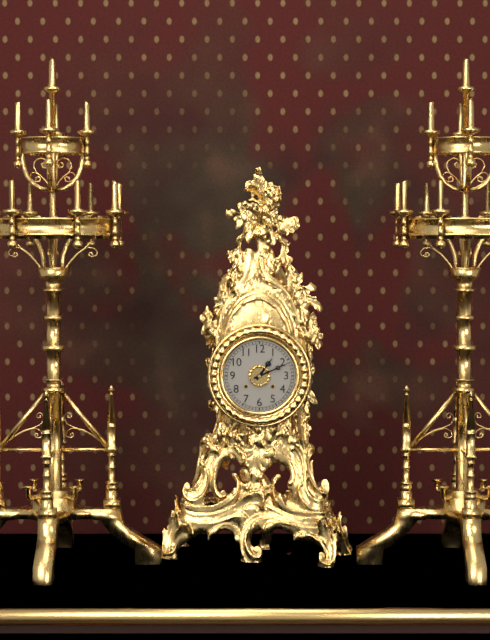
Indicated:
1 h 11 min
